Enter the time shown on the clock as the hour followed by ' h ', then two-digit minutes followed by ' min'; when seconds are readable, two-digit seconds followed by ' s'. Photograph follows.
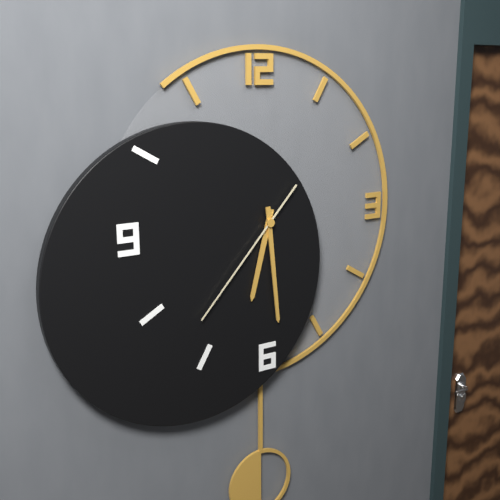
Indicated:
6 h 29 min 37 s
